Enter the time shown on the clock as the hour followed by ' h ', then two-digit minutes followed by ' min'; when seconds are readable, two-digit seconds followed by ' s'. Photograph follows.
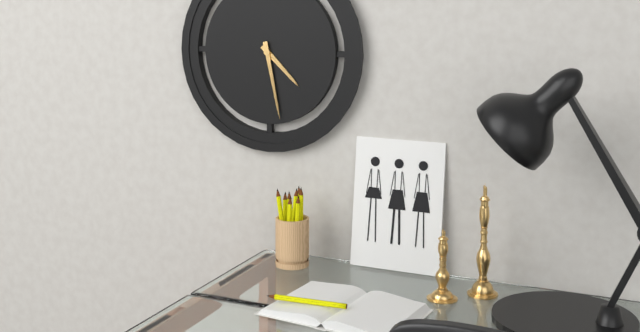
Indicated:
4 h 28 min
